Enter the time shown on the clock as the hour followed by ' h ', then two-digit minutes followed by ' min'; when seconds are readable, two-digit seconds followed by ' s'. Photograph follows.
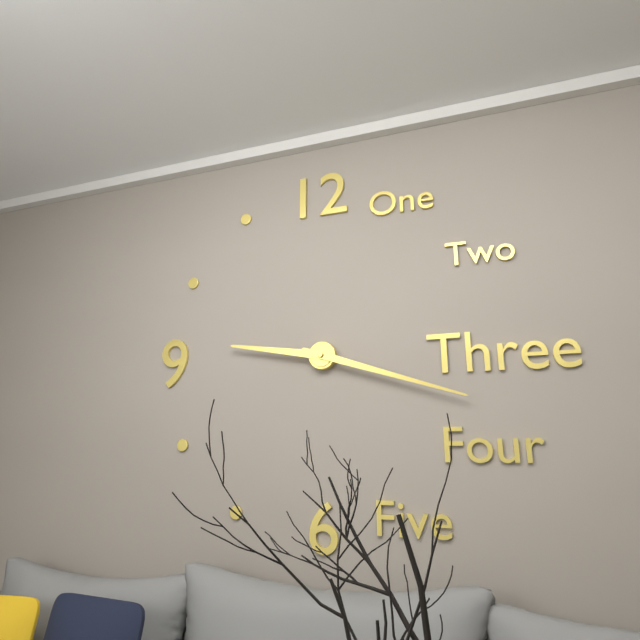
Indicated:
9 h 18 min
